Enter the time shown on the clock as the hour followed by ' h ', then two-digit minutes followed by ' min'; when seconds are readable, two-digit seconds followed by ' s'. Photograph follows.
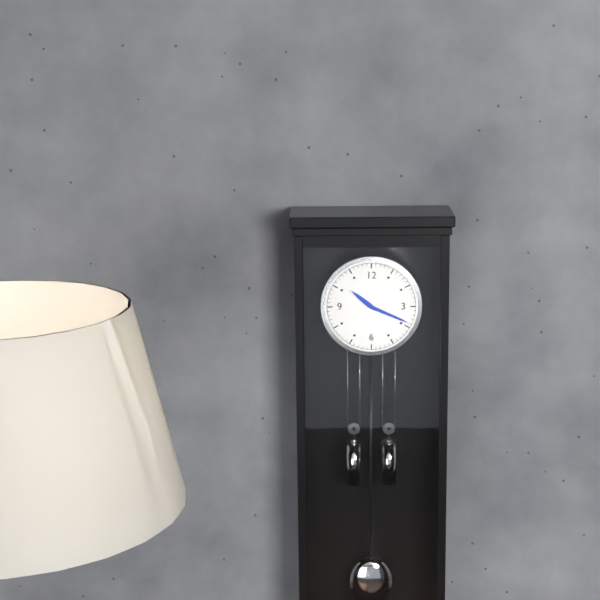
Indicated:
10 h 19 min
